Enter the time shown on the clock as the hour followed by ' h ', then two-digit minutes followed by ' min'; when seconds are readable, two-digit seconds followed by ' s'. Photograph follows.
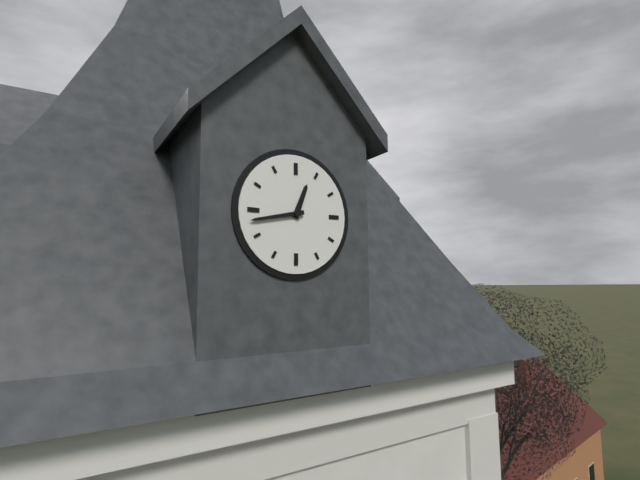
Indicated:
12 h 43 min
